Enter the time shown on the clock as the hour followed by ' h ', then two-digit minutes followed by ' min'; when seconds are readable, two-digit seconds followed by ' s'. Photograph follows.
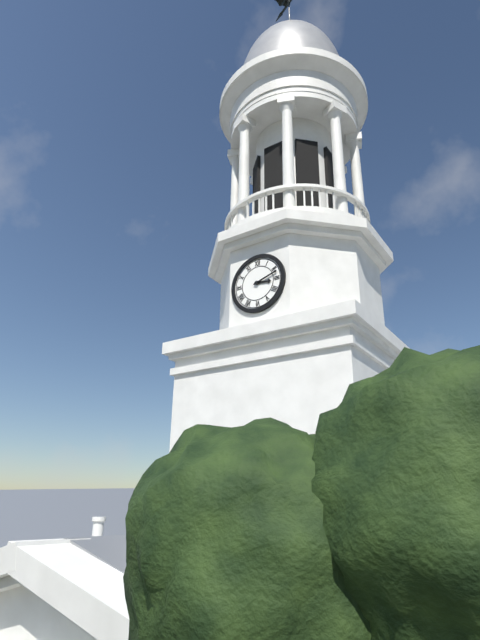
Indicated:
3 h 12 min
